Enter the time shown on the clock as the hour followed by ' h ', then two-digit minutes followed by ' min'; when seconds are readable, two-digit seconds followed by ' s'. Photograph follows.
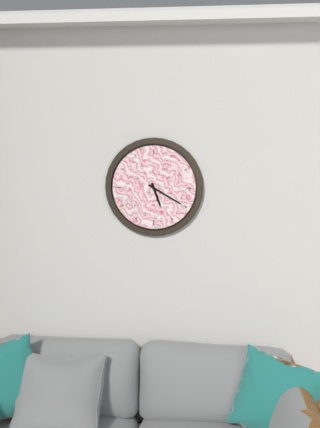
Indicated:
5 h 20 min
